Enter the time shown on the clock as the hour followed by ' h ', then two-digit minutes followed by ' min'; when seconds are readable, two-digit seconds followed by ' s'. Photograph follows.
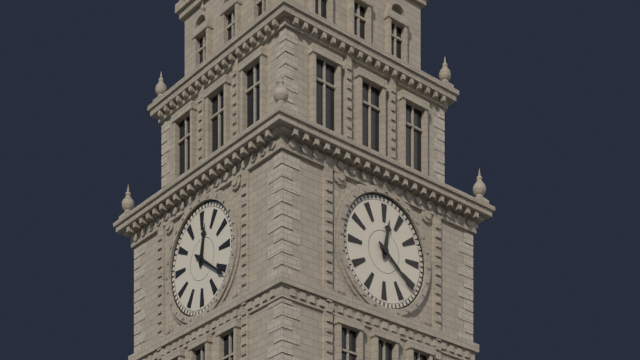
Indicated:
12 h 21 min
